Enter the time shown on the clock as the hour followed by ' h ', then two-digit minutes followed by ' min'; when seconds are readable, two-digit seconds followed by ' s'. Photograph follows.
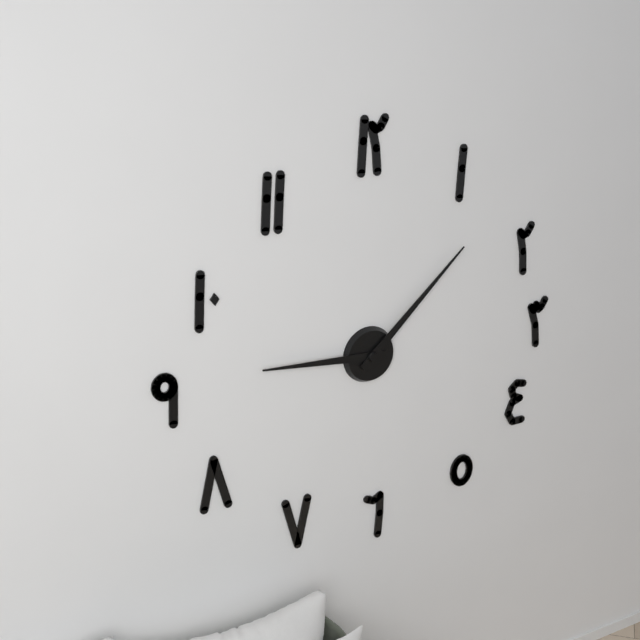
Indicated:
9 h 08 min
